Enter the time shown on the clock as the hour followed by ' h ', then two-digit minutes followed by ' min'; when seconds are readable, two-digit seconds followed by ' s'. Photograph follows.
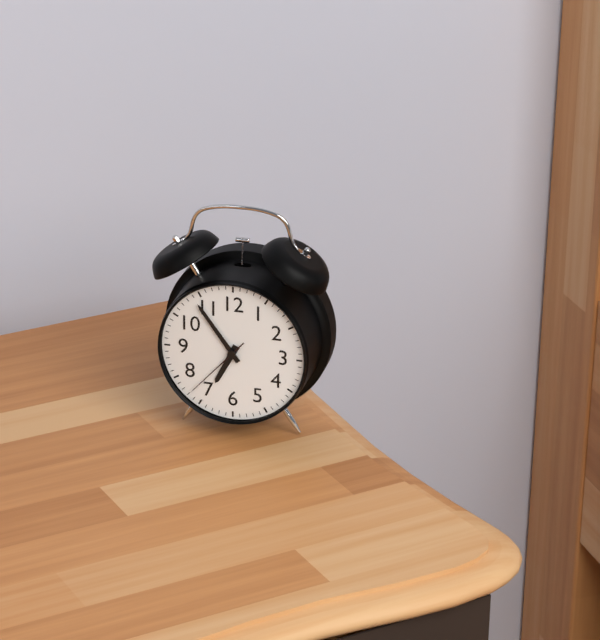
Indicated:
6 h 54 min 37 s
